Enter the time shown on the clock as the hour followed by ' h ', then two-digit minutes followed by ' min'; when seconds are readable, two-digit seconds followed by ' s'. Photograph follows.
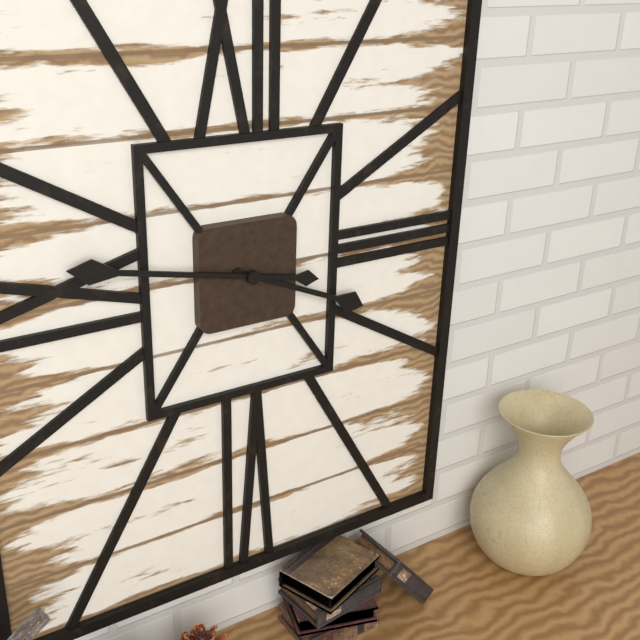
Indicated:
3 h 47 min
